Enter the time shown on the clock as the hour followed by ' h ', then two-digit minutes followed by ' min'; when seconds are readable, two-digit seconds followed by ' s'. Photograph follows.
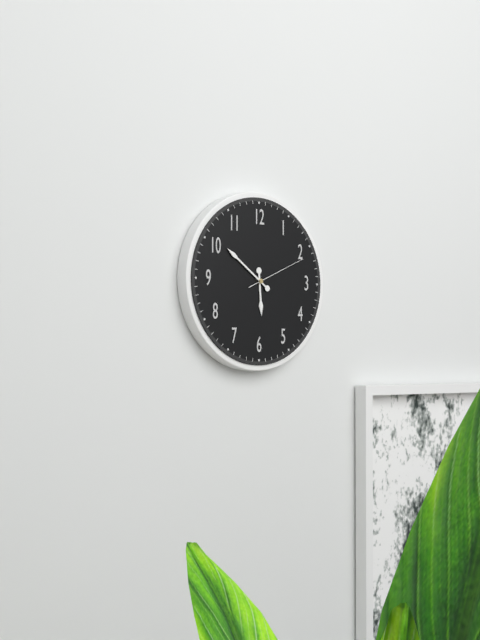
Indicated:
5 h 51 min 11 s
